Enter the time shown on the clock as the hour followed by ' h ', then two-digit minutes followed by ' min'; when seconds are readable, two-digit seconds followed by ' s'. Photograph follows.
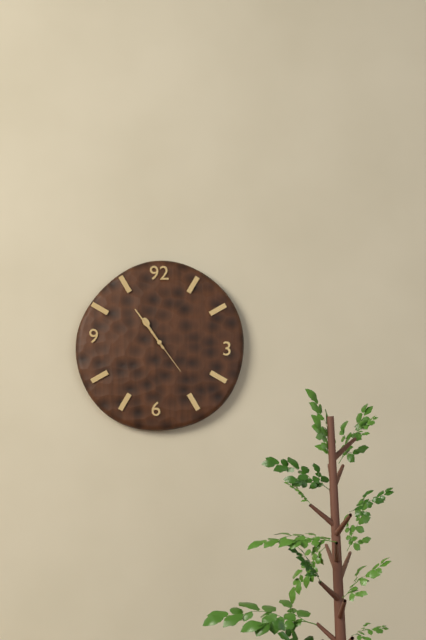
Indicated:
10 h 54 min
